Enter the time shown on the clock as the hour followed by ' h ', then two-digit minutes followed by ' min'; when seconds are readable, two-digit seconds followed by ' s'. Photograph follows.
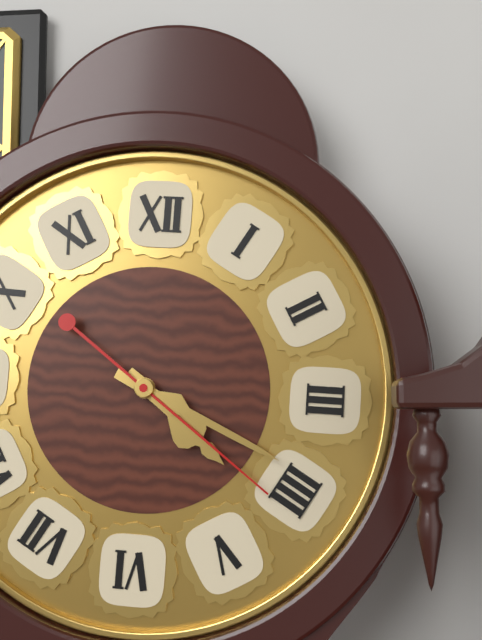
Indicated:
4 h 19 min 21 s
